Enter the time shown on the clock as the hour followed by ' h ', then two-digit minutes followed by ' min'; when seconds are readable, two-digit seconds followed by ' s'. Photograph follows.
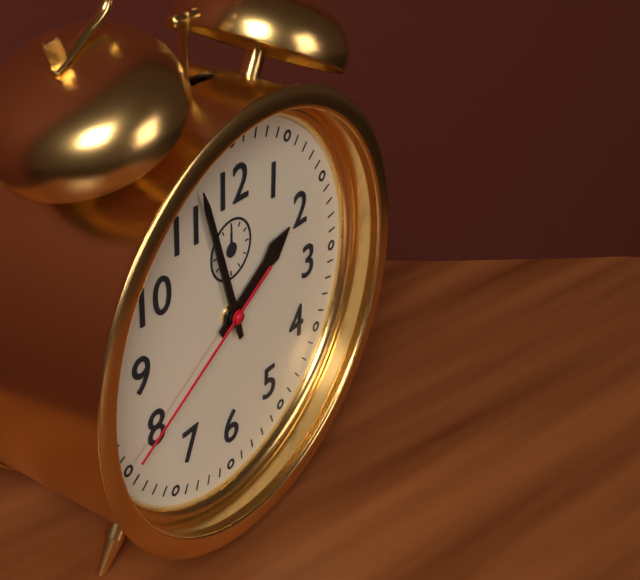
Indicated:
1 h 57 min 40 s
